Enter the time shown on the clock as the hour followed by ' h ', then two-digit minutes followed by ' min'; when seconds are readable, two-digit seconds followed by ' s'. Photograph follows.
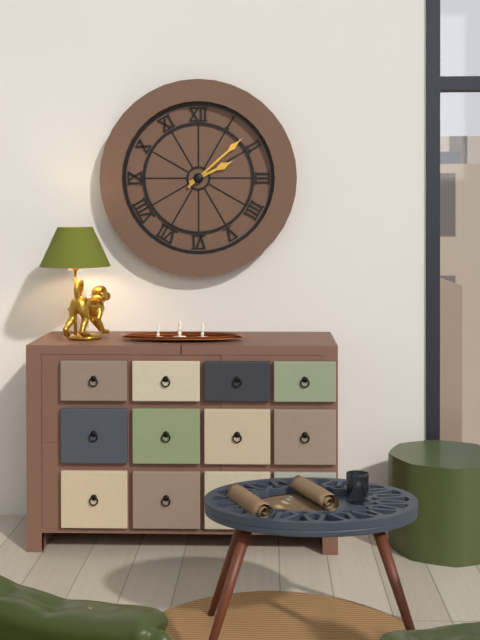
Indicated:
2 h 08 min
